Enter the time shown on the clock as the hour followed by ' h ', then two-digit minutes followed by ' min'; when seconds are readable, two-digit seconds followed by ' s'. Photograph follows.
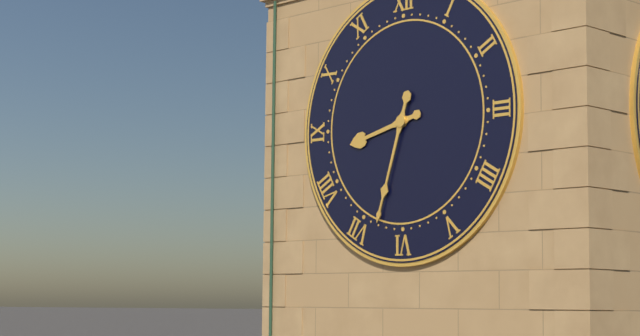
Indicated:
8 h 33 min
